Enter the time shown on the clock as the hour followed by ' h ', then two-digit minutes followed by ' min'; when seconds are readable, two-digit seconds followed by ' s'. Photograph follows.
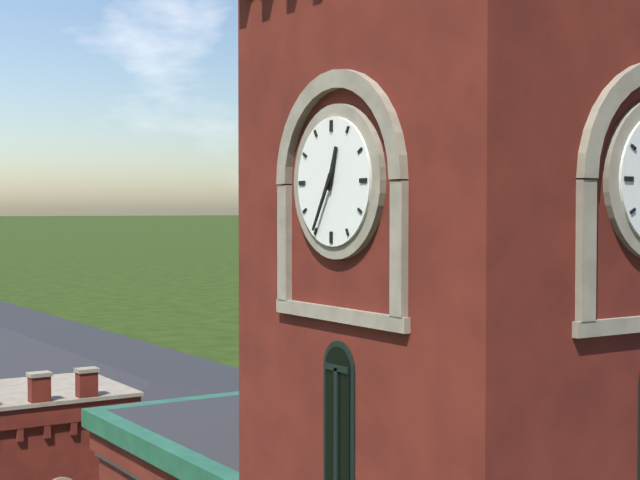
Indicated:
12 h 35 min
